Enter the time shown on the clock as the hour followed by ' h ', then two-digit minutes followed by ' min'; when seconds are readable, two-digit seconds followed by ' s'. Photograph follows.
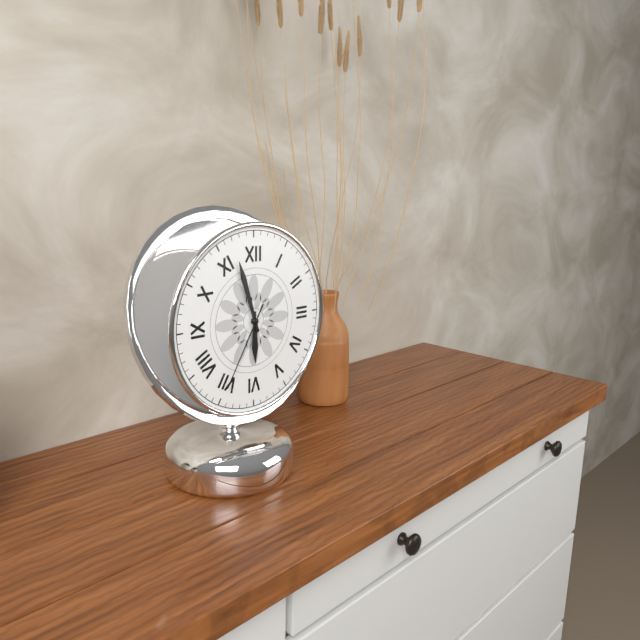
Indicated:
5 h 57 min 35 s
